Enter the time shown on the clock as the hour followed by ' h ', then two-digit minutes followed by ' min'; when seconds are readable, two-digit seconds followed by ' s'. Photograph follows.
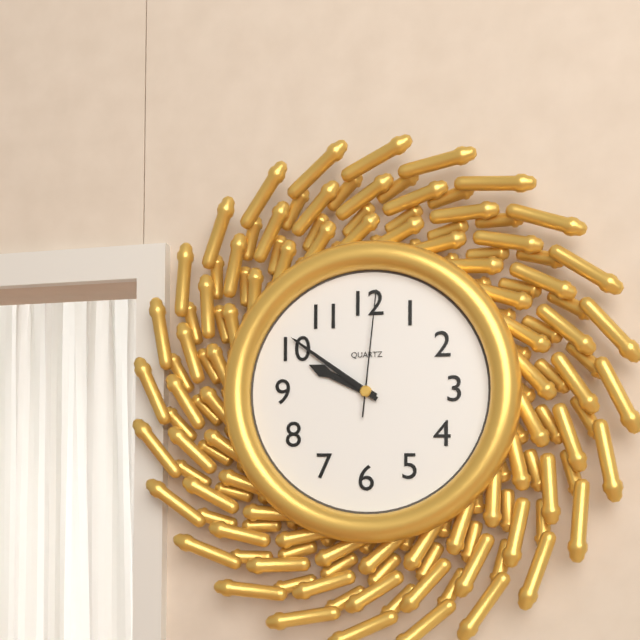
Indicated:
9 h 51 min 01 s
